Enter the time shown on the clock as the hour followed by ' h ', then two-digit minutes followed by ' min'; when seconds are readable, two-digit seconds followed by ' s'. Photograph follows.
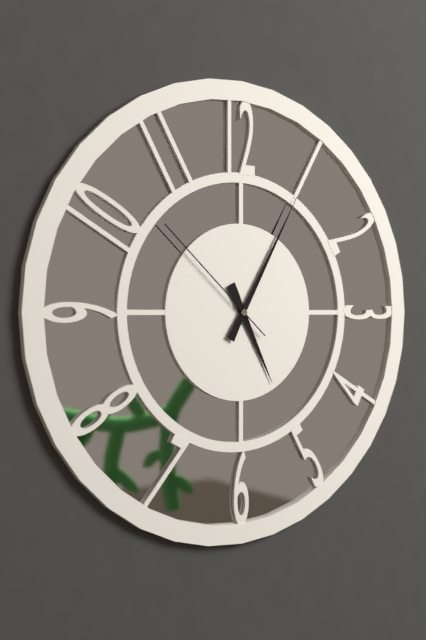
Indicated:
5 h 05 min 52 s
